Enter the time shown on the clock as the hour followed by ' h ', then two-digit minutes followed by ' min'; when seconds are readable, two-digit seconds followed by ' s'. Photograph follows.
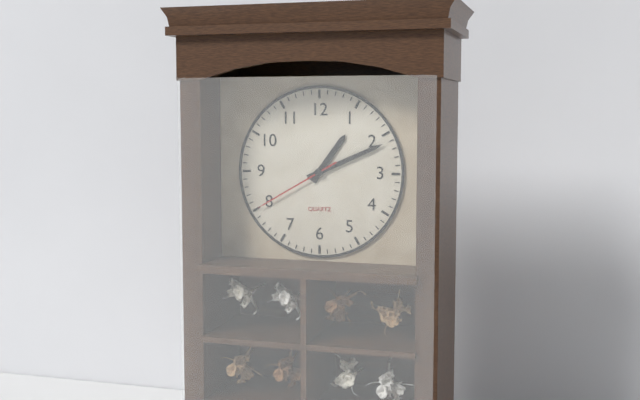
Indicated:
1 h 11 min 40 s
